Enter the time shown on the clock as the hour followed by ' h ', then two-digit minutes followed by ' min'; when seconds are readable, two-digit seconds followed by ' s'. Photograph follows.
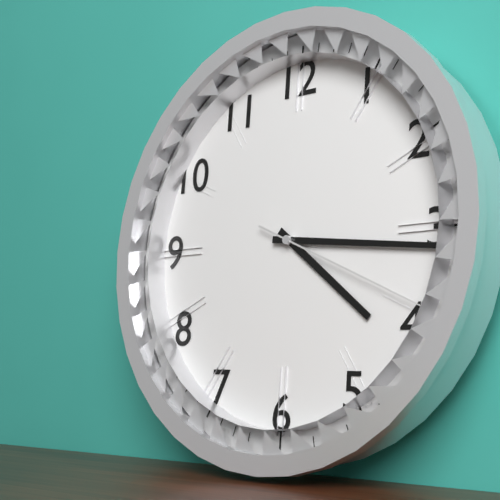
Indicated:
4 h 16 min 19 s
